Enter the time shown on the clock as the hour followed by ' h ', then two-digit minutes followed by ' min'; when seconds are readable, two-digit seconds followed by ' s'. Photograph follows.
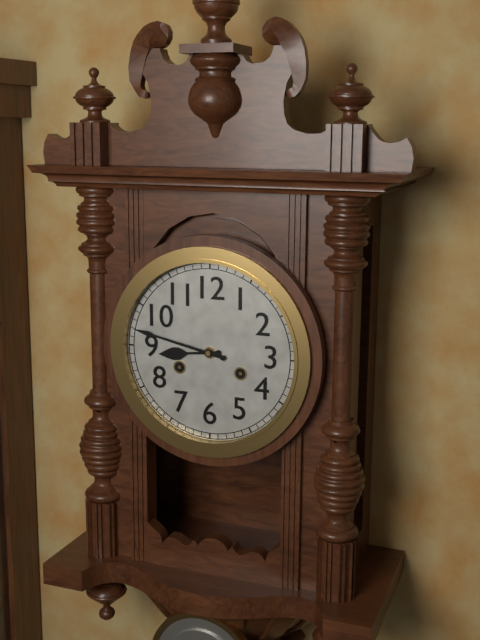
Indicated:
8 h 47 min
